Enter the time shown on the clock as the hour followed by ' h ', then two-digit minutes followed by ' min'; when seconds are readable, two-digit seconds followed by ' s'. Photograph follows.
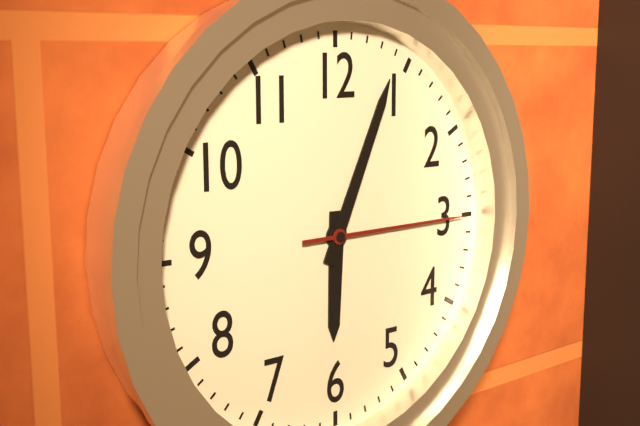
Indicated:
6 h 04 min 15 s
